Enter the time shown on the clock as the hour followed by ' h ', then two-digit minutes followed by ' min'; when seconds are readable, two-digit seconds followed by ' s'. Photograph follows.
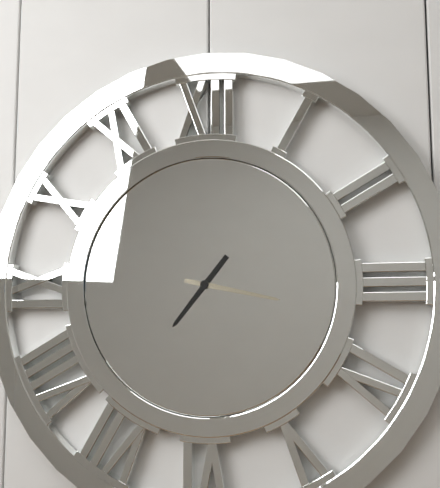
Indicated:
7 h 17 min
